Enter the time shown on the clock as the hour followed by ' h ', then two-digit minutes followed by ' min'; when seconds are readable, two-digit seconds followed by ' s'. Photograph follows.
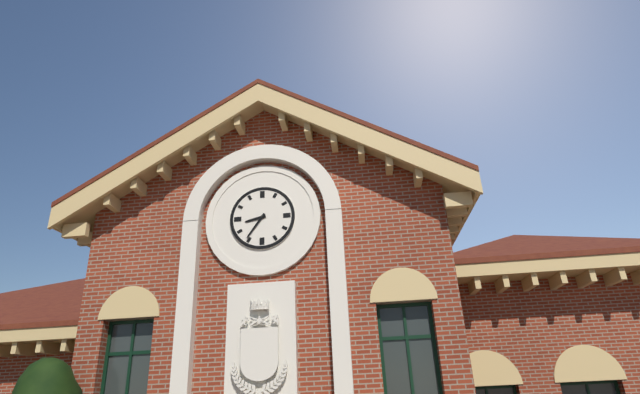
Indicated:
8 h 36 min
